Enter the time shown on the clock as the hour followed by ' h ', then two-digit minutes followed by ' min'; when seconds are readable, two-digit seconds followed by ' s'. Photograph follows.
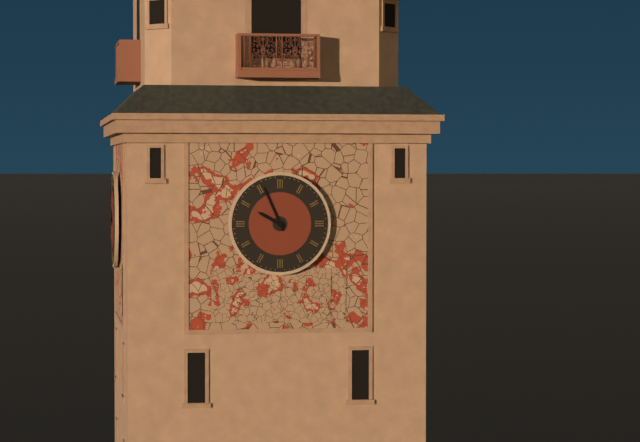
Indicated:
9 h 56 min
